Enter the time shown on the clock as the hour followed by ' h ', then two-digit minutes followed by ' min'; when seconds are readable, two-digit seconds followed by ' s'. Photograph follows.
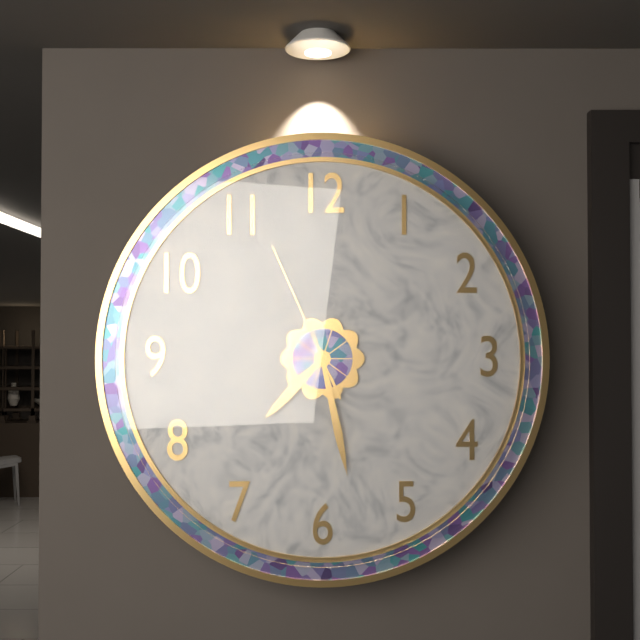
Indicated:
7 h 28 min 56 s
